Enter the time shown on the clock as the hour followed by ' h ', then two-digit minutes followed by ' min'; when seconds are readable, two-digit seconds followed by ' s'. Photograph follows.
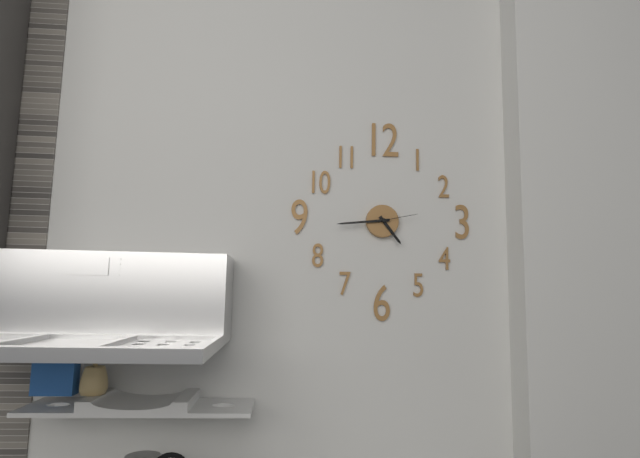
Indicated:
4 h 44 min
